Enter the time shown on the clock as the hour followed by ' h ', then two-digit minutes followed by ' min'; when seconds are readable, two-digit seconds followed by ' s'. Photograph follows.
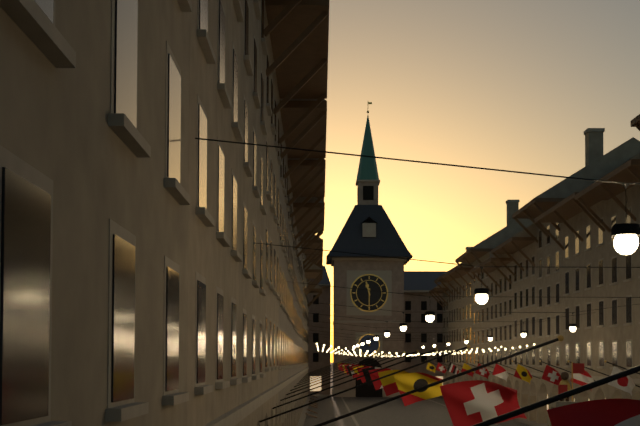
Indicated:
11 h 30 min
